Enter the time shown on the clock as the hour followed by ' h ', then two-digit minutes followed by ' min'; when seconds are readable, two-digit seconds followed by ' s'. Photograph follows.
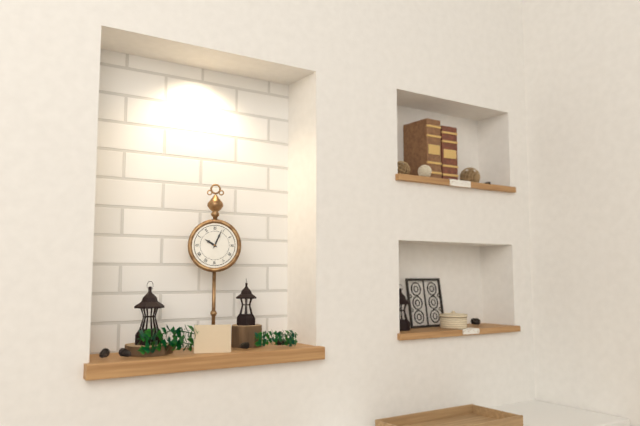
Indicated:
10 h 04 min
